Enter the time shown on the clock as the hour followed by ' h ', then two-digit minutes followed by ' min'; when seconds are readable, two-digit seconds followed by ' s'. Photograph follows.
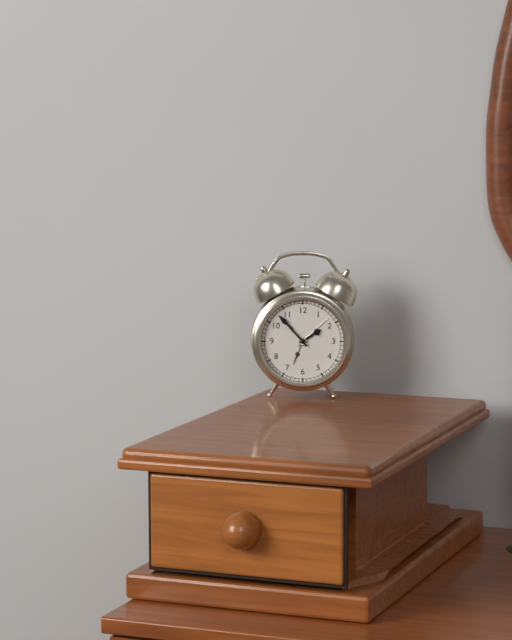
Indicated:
1 h 53 min
